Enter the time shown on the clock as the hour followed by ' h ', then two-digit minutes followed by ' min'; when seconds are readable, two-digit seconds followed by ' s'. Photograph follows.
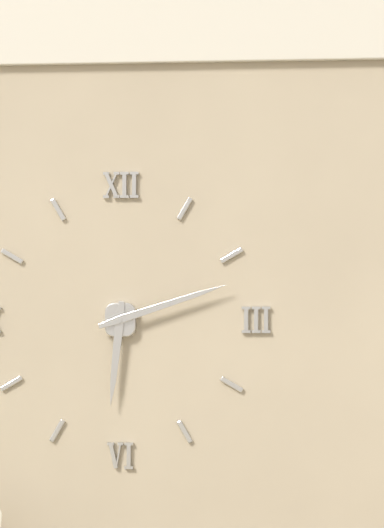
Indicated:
6 h 12 min
